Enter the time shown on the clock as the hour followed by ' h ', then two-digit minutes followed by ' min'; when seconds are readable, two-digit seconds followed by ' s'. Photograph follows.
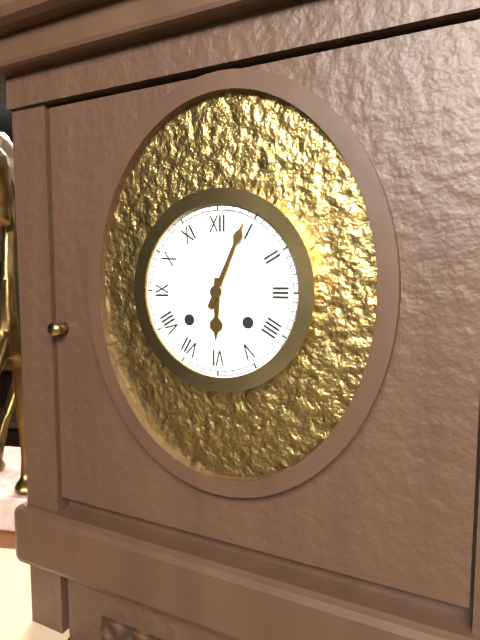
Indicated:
6 h 04 min
